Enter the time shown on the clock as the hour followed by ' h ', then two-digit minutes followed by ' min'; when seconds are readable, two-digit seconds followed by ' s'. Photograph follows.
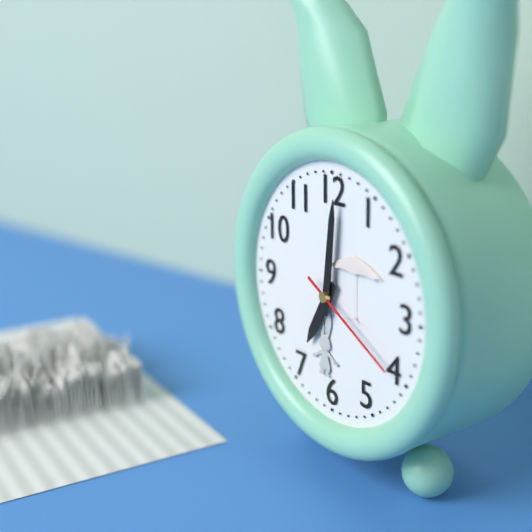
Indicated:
7 h 01 min 20 s
